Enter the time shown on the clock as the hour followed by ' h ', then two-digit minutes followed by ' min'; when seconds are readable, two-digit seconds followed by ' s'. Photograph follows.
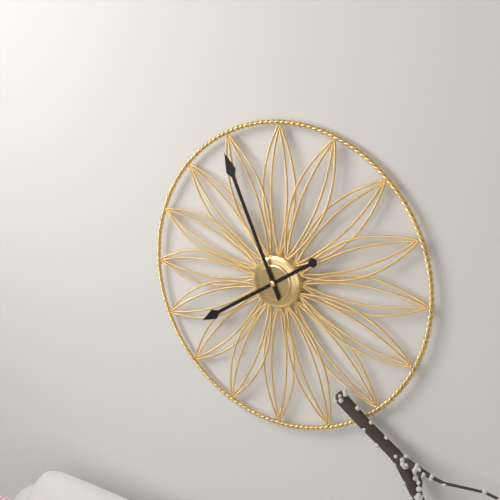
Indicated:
7 h 56 min
